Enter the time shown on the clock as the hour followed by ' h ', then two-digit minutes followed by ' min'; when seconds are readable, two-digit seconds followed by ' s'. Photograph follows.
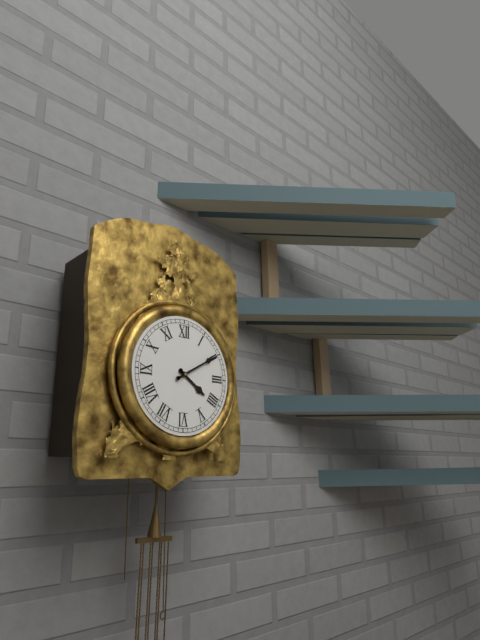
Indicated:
4 h 10 min
